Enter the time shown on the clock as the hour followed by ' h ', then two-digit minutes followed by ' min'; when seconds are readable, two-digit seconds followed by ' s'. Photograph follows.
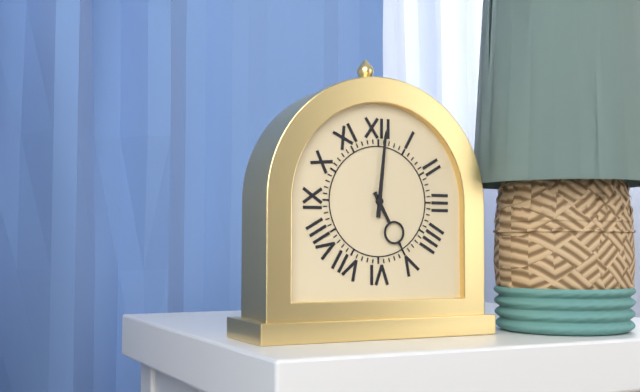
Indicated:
5 h 01 min
